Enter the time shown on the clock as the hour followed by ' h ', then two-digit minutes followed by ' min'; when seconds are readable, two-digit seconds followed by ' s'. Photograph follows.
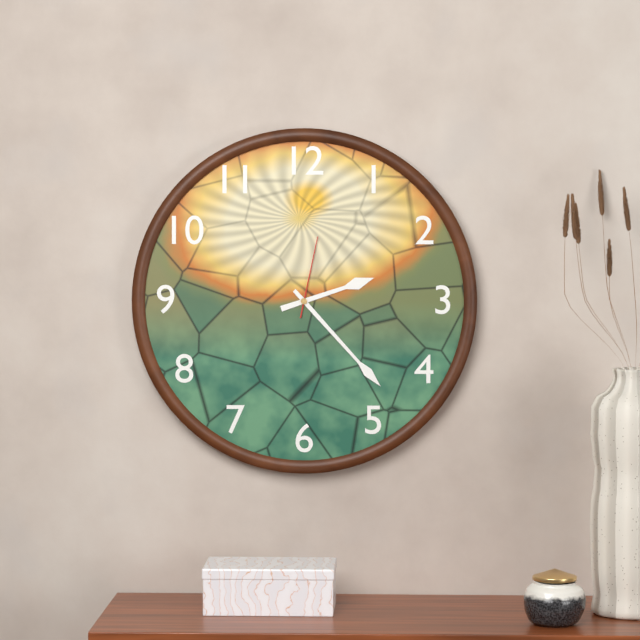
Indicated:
2 h 23 min 02 s
